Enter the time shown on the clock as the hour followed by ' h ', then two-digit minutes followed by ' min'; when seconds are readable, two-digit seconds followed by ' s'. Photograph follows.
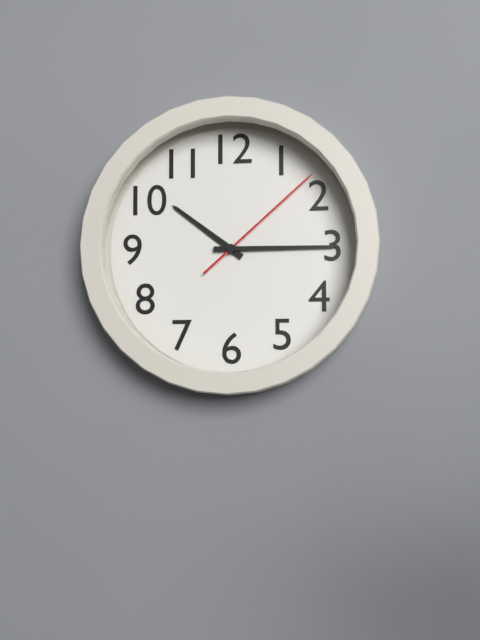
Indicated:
10 h 15 min 08 s
